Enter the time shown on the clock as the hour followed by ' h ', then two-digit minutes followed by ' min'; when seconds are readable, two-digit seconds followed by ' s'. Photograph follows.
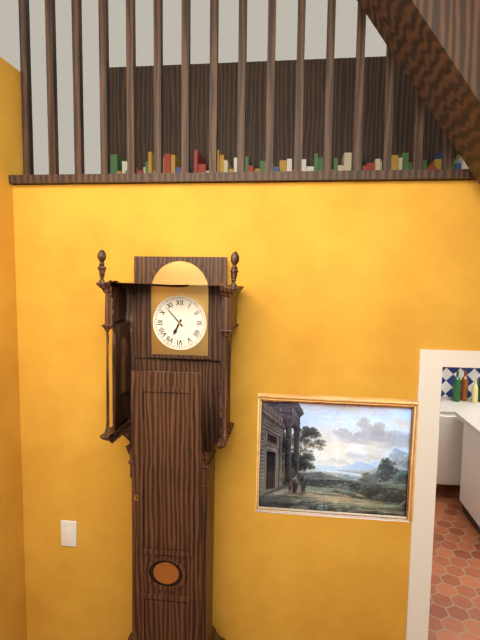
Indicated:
6 h 53 min
